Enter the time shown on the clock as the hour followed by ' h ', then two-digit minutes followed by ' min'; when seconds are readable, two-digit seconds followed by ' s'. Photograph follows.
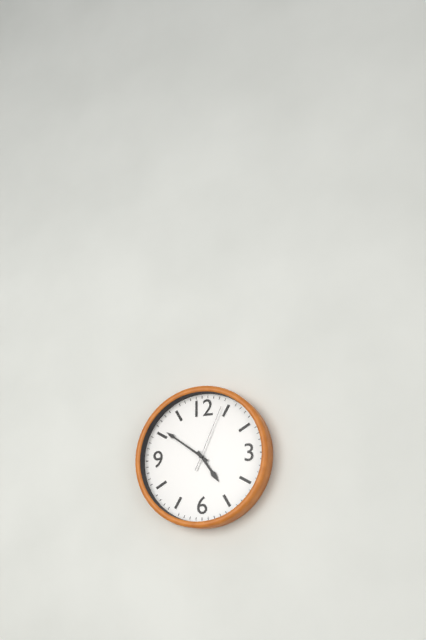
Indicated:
4 h 51 min 04 s
